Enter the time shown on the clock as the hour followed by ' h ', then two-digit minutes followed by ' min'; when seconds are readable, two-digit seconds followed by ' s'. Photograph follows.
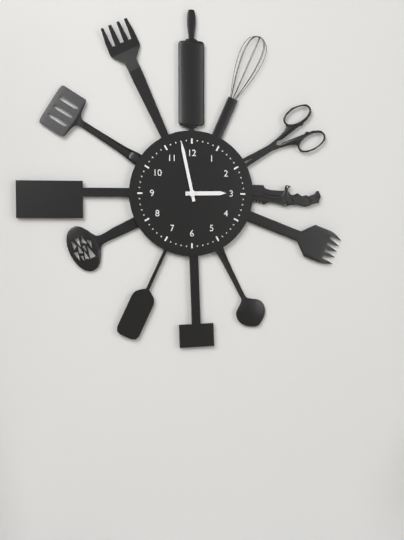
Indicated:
2 h 58 min
